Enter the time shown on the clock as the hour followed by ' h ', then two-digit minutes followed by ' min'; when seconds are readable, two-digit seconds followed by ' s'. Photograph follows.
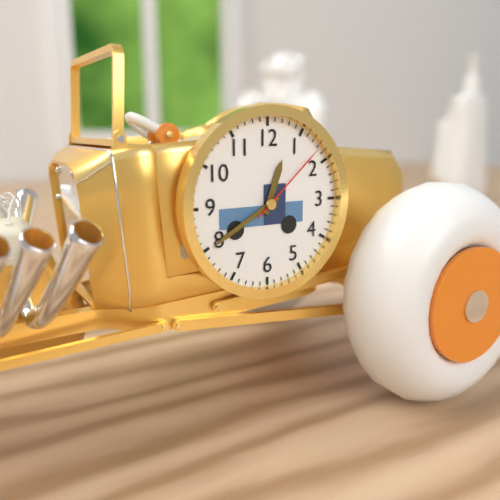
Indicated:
12 h 40 min 08 s
